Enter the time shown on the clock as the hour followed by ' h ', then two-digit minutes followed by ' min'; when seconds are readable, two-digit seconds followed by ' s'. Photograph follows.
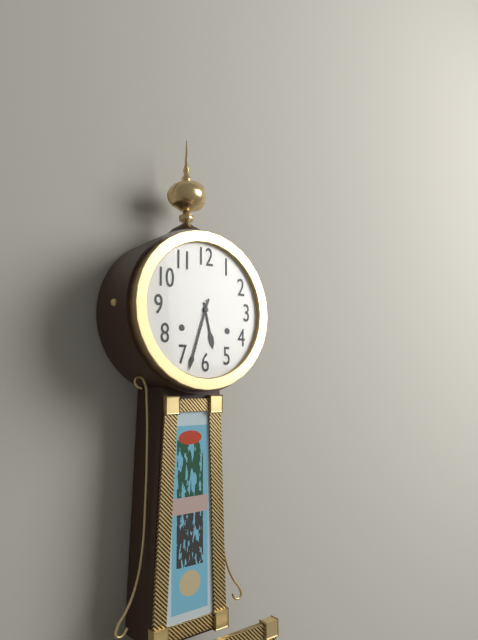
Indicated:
5 h 33 min
